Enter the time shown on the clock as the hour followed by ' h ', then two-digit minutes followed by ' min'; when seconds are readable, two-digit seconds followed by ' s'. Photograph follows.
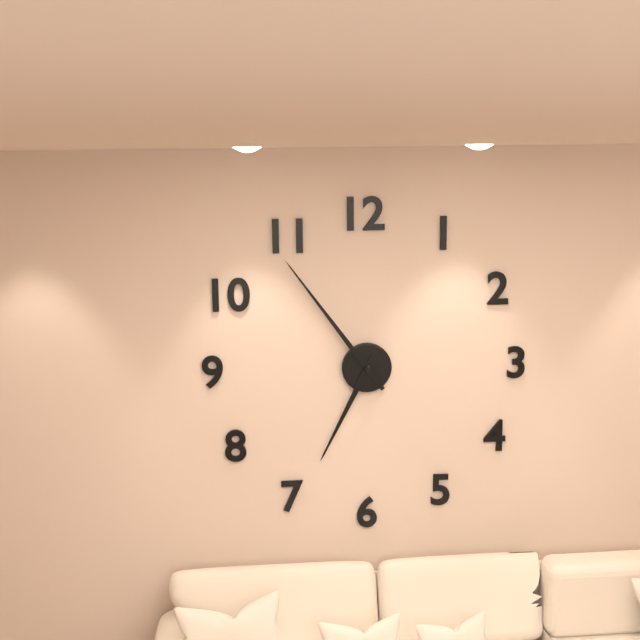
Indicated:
6 h 54 min
